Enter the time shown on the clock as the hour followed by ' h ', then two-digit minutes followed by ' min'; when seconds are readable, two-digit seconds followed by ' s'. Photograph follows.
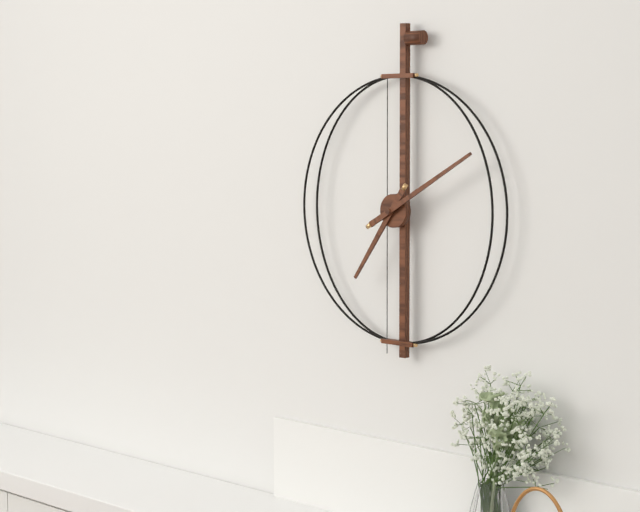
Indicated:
7 h 10 min
